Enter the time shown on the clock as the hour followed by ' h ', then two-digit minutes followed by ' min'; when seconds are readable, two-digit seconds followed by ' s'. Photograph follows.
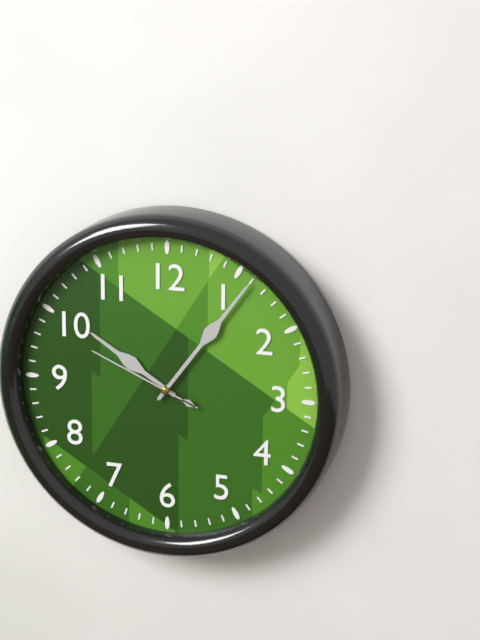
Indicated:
10 h 06 min 49 s
